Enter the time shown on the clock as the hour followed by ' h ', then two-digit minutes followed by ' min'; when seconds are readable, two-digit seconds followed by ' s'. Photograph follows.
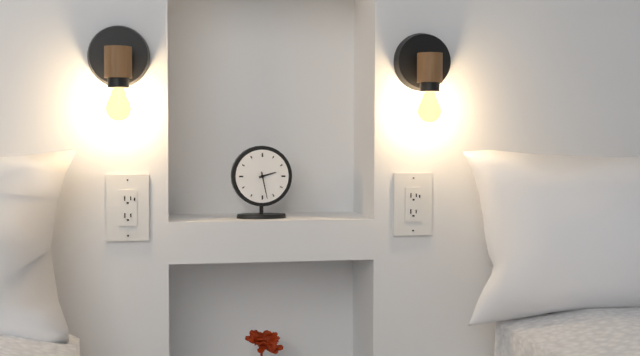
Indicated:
2 h 28 min
